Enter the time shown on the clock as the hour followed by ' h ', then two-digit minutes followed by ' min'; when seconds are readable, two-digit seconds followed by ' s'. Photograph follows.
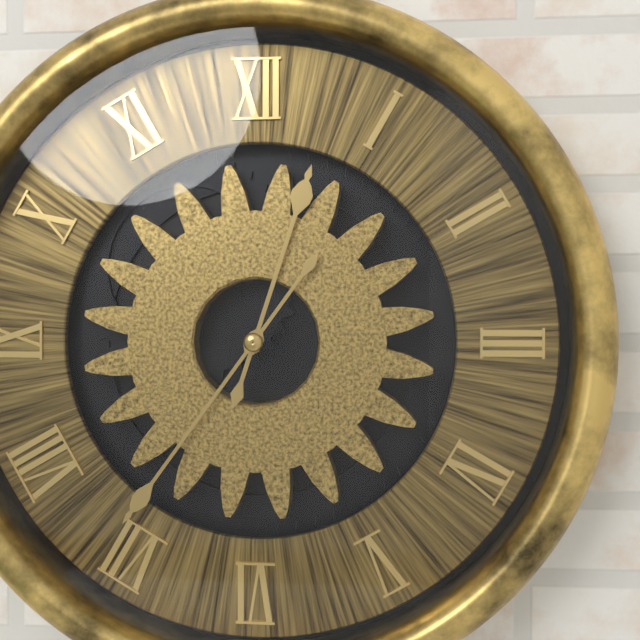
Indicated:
12 h 36 min
